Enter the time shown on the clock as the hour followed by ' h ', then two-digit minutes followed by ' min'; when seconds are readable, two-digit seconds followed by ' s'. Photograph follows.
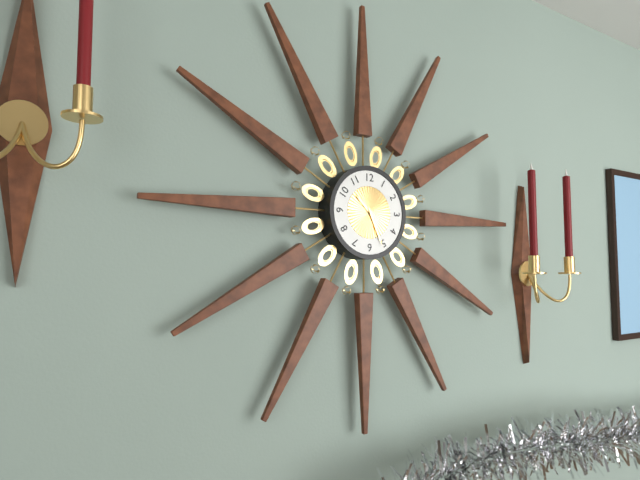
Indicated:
10 h 26 min
